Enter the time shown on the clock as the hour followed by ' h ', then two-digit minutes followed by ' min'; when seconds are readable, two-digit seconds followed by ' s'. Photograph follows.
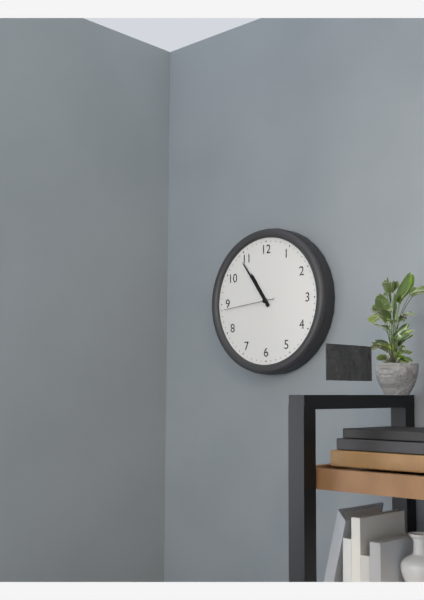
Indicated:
10 h 54 min 44 s
